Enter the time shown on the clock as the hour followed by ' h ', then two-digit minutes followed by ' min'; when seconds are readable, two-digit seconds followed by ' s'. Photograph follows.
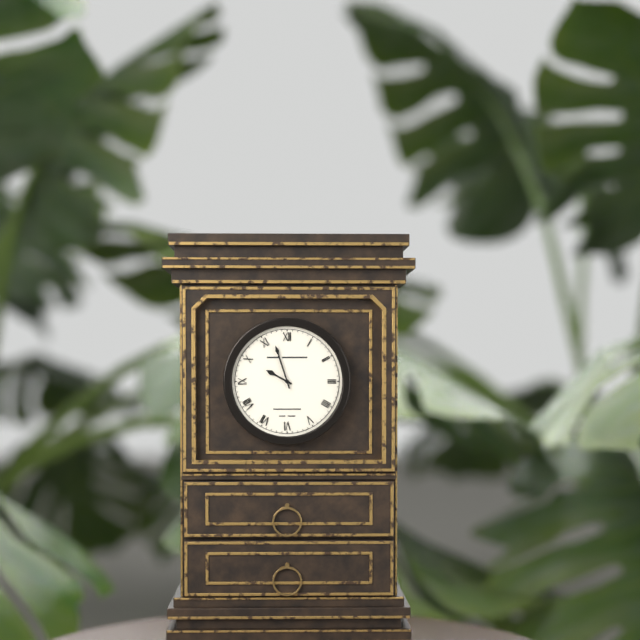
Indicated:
9 h 57 min
